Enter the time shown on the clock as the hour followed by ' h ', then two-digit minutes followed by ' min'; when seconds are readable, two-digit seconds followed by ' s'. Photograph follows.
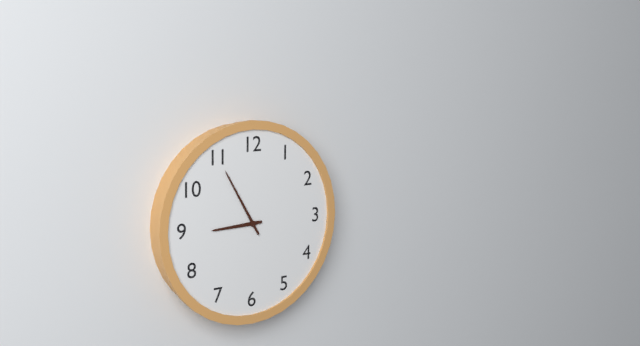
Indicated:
8 h 55 min
